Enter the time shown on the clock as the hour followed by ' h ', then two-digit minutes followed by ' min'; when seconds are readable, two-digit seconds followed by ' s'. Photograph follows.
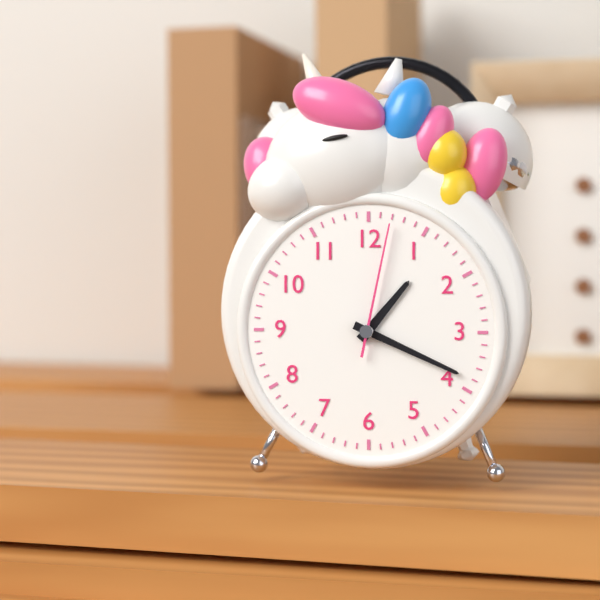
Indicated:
1 h 19 min 02 s
